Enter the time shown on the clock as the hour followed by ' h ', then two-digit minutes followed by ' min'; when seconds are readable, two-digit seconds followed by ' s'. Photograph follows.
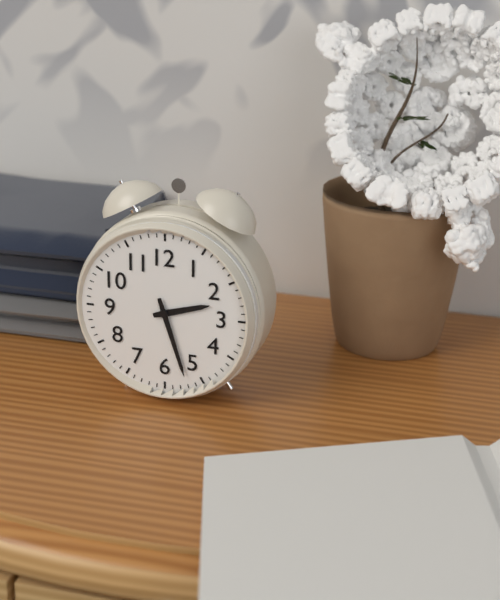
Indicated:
2 h 27 min
